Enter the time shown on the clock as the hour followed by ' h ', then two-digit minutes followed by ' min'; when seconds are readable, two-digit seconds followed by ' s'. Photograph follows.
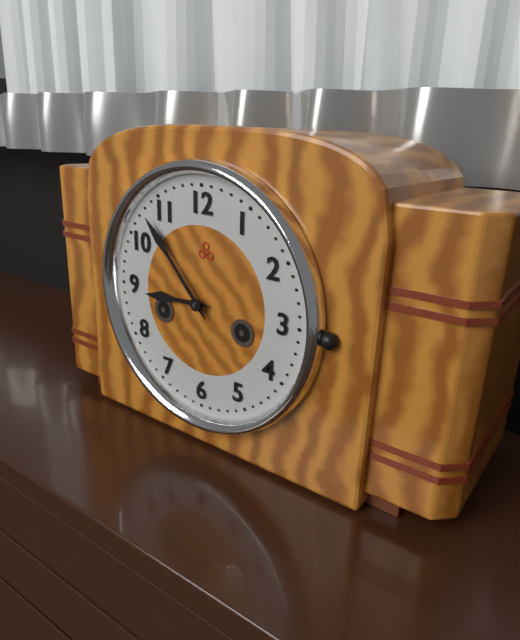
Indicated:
8 h 53 min
